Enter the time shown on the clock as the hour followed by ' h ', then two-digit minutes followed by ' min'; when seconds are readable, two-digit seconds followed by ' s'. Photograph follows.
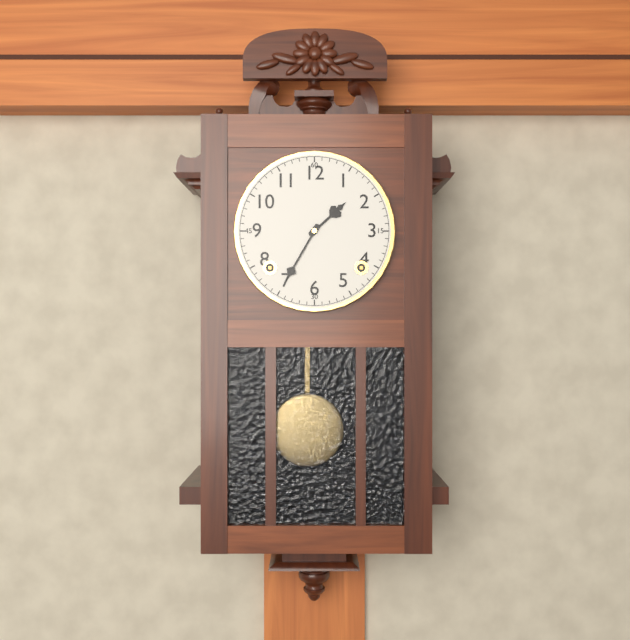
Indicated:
1 h 35 min
